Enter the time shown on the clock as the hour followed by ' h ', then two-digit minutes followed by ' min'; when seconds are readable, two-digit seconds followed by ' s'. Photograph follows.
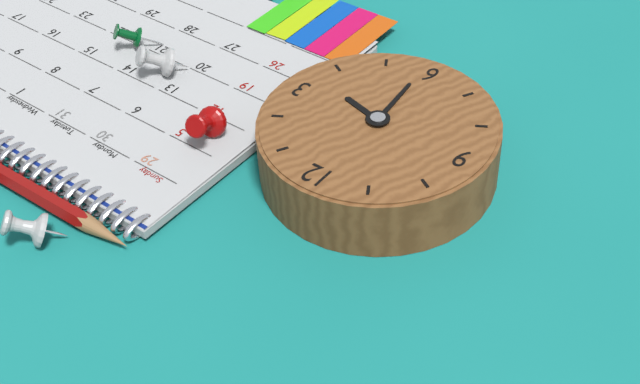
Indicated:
3 h 29 min
